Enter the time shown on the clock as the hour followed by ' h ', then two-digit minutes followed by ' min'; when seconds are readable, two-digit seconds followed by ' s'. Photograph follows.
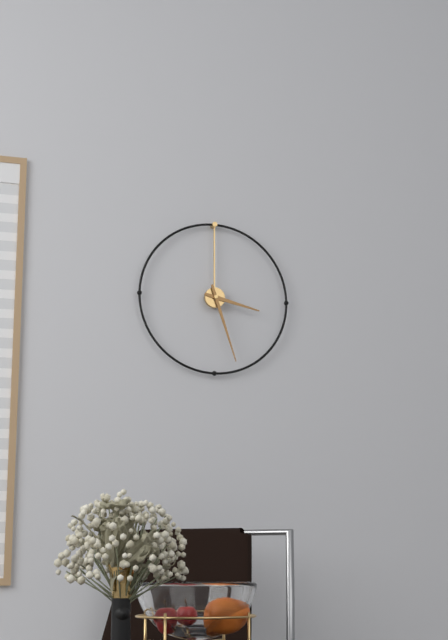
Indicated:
3 h 27 min
